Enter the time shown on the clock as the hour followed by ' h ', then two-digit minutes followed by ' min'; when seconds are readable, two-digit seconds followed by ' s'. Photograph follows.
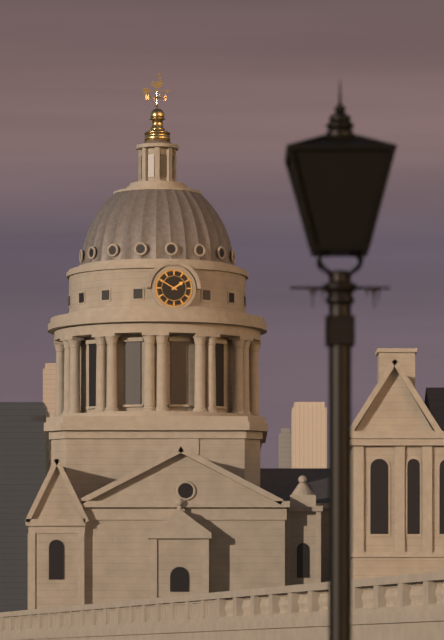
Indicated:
1 h 50 min
